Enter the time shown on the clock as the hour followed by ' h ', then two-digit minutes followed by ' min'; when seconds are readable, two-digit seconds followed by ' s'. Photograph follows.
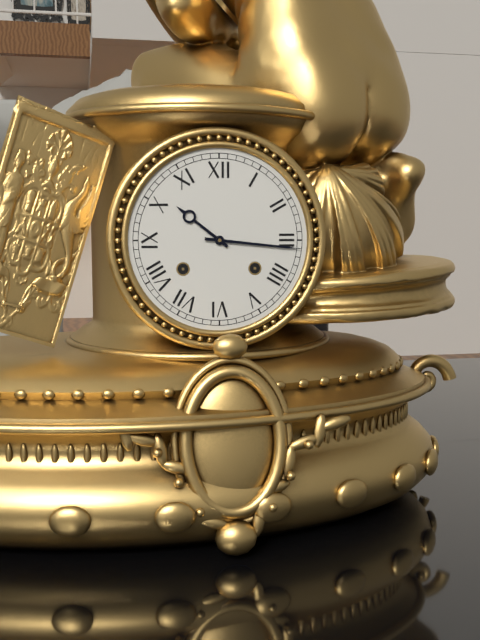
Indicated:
10 h 16 min
